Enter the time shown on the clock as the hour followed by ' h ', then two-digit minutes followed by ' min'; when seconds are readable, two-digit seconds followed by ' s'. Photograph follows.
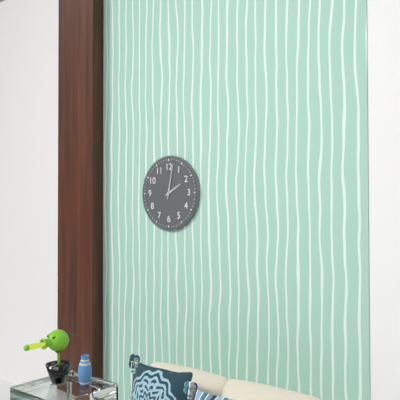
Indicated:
2 h 02 min
